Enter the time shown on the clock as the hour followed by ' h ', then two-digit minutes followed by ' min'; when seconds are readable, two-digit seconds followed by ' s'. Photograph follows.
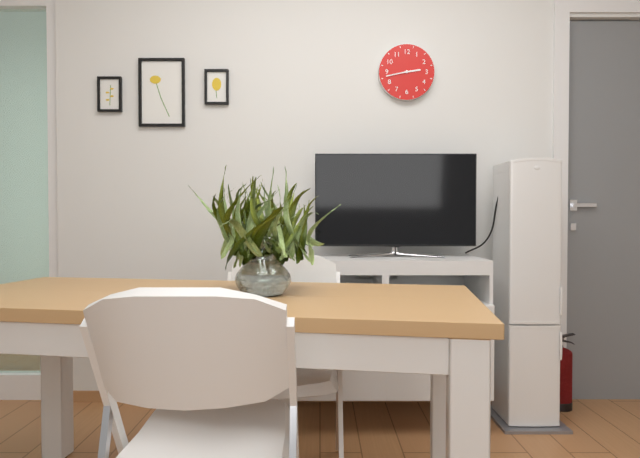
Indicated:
2 h 43 min
